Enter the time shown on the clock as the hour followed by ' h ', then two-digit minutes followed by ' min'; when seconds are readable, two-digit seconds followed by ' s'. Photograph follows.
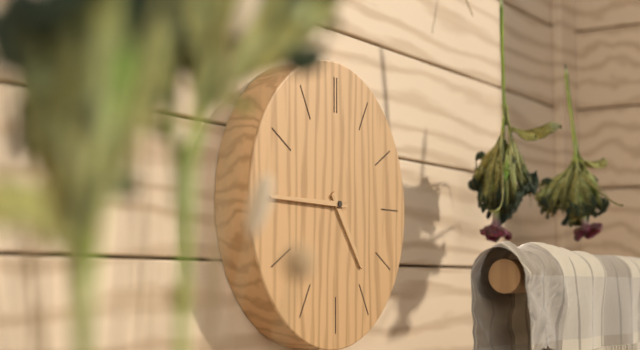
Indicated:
4 h 45 min
